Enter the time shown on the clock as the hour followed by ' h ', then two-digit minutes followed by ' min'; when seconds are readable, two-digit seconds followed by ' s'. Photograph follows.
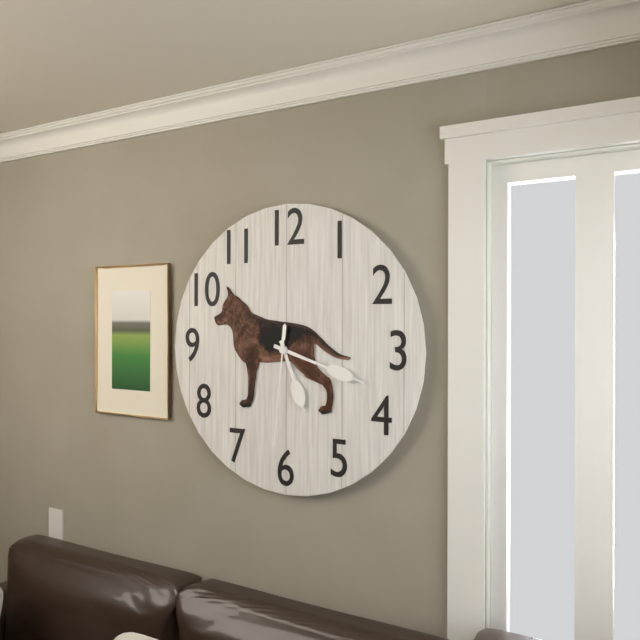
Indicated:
5 h 18 min 31 s
